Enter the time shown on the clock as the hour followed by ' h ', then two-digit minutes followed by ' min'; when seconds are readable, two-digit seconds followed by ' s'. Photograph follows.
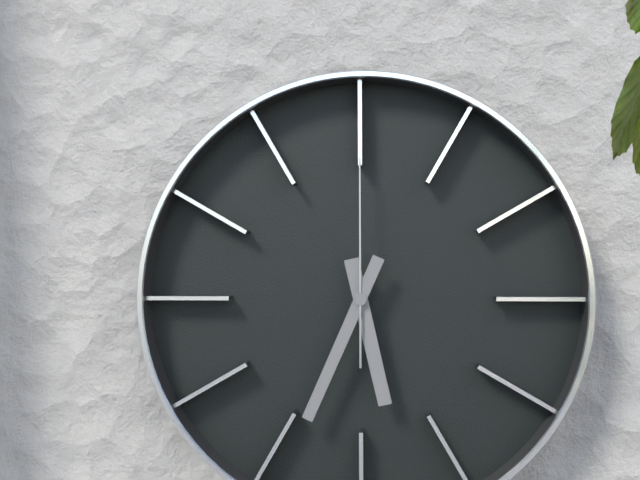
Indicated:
5 h 34 min 00 s
